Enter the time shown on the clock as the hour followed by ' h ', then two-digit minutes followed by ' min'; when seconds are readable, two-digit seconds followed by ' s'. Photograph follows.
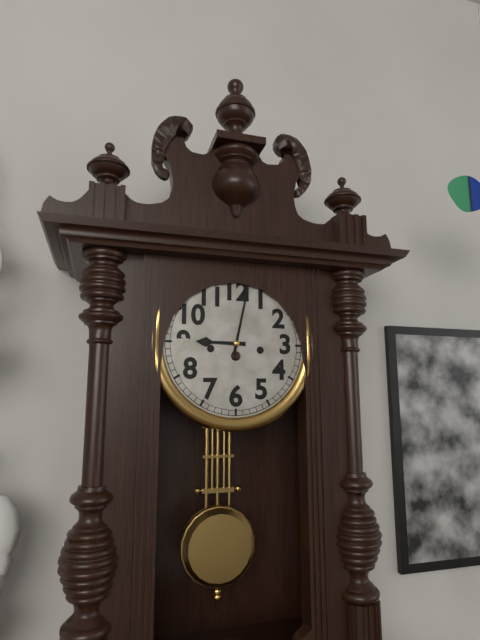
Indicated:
9 h 02 min
